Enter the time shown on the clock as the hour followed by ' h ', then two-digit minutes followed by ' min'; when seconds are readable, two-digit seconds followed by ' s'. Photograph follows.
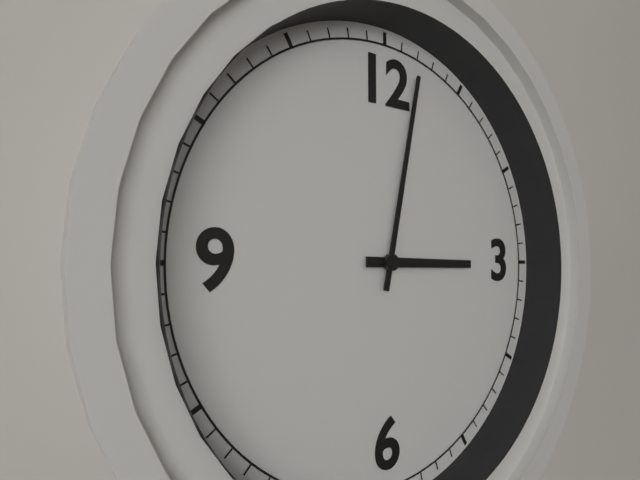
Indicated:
3 h 02 min
